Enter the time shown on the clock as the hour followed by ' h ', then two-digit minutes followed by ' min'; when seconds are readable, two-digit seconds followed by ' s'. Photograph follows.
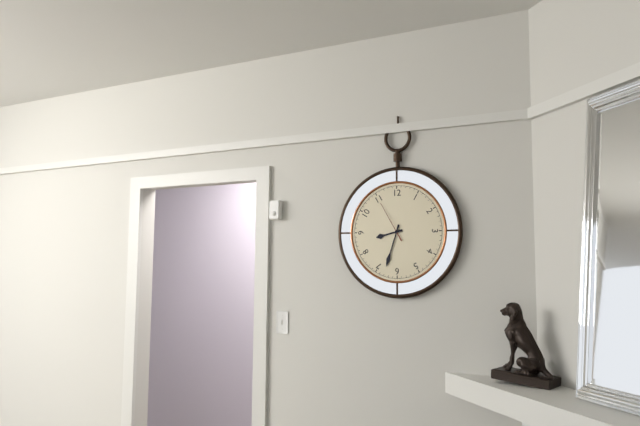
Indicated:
8 h 33 min
